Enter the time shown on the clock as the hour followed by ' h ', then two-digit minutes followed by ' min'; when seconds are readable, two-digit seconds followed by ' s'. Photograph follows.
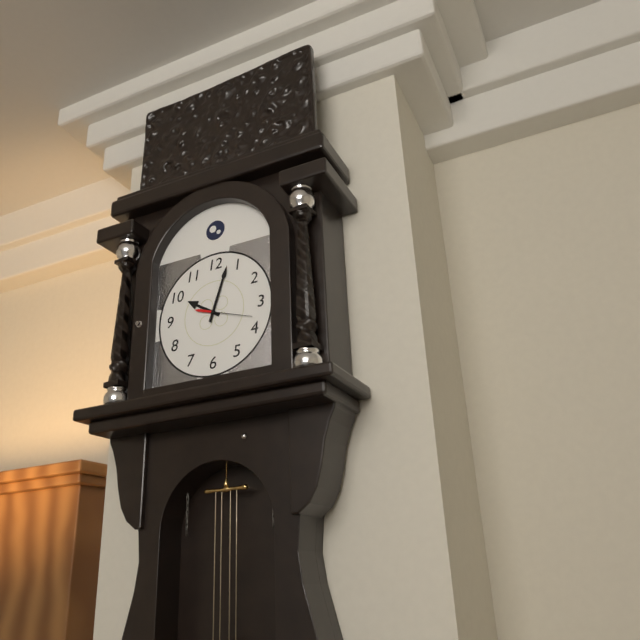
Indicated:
10 h 03 min
